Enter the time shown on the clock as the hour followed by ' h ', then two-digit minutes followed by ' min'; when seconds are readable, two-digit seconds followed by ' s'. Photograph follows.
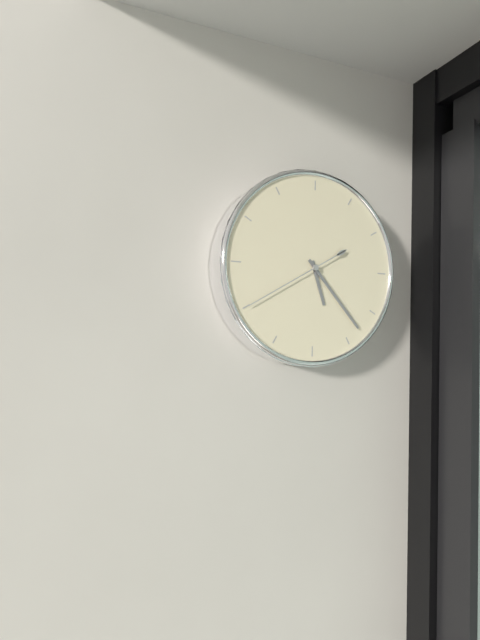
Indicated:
5 h 23 min 40 s
